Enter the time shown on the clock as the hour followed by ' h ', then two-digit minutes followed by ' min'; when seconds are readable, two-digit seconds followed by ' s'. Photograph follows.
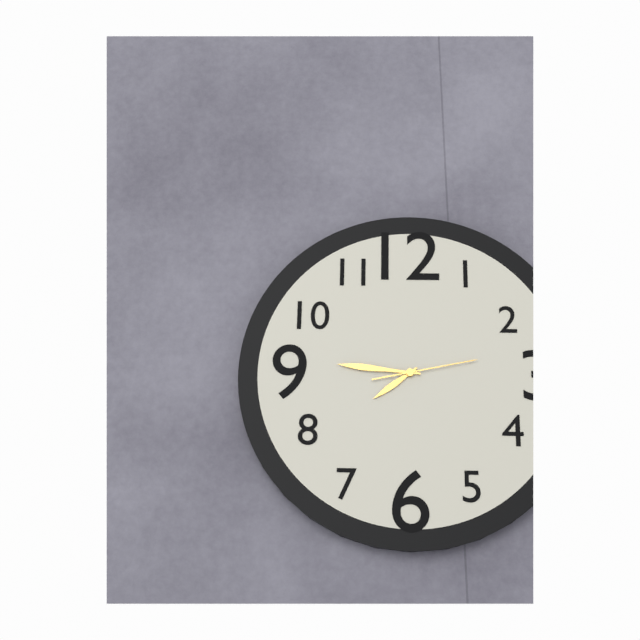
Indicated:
7 h 46 min 13 s
